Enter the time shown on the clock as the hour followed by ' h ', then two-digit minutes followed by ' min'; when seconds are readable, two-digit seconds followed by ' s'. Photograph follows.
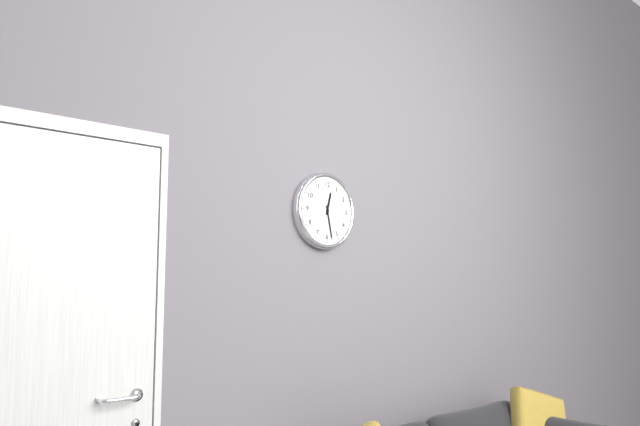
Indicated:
12 h 28 min
